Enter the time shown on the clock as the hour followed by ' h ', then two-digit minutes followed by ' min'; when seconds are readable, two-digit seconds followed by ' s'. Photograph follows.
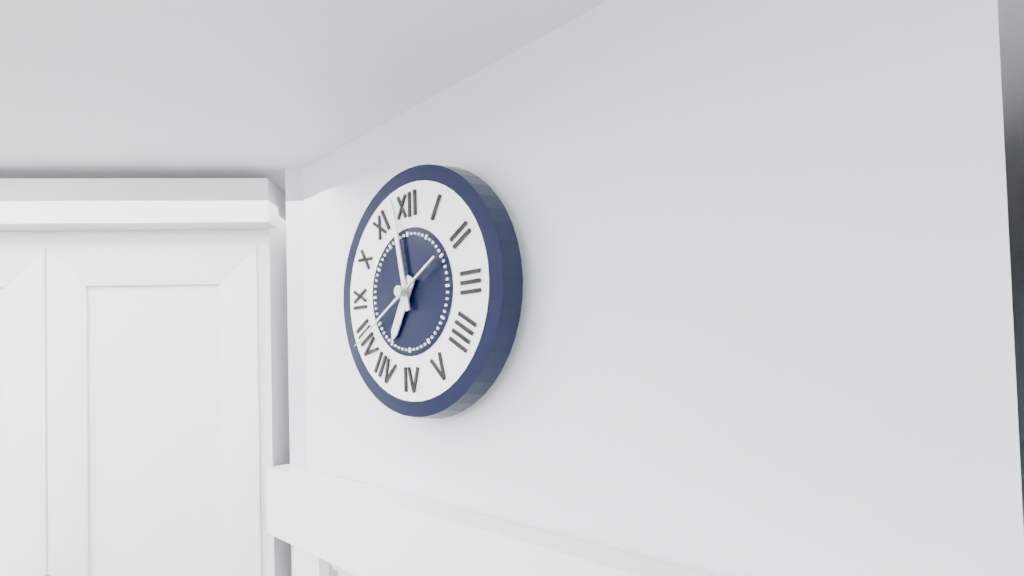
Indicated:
6 h 58 min 40 s
